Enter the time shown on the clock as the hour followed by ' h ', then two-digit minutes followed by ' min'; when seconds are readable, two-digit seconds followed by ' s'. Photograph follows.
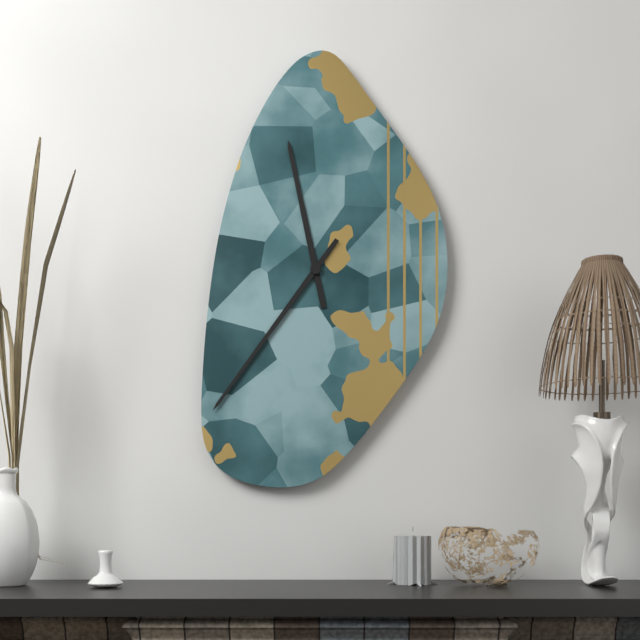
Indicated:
11 h 36 min
